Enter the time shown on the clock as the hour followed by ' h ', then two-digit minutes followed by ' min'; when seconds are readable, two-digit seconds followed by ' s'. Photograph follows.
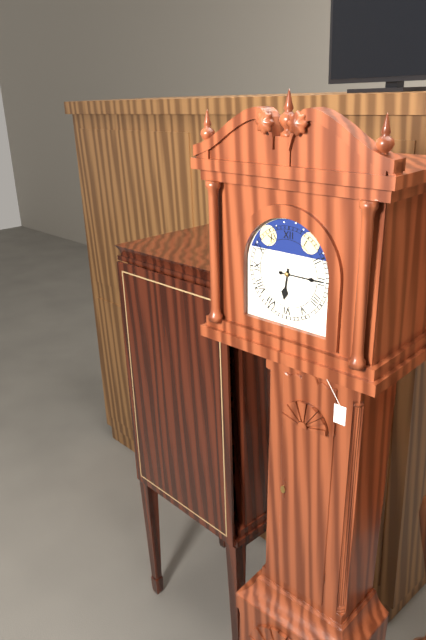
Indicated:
6 h 15 min
